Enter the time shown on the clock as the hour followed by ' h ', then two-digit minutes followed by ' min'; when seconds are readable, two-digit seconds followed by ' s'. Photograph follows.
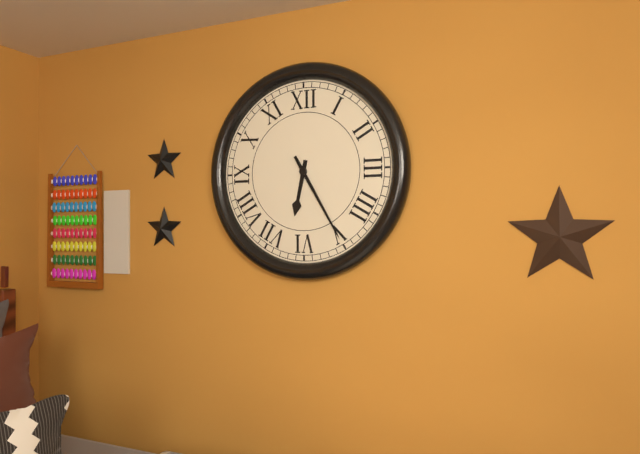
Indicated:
6 h 25 min
